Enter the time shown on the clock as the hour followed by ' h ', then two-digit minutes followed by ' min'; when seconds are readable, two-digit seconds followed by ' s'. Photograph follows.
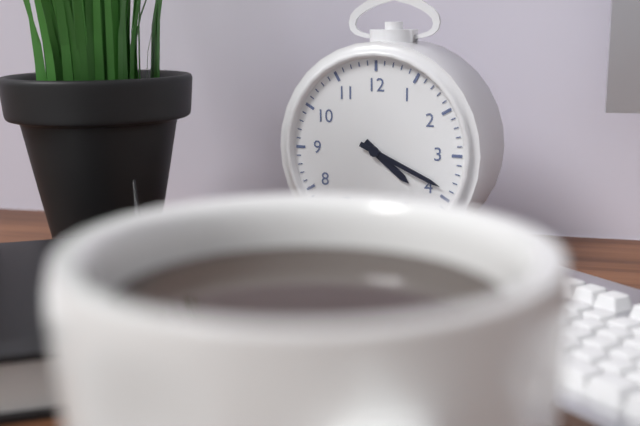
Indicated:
4 h 19 min
